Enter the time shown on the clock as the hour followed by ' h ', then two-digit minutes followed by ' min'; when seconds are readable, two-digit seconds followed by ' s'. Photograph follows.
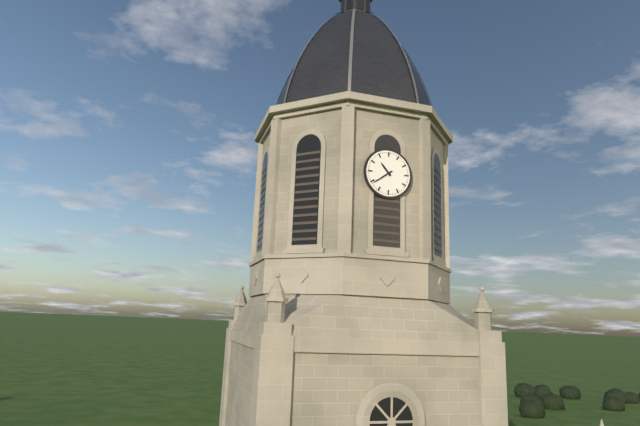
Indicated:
10 h 39 min
